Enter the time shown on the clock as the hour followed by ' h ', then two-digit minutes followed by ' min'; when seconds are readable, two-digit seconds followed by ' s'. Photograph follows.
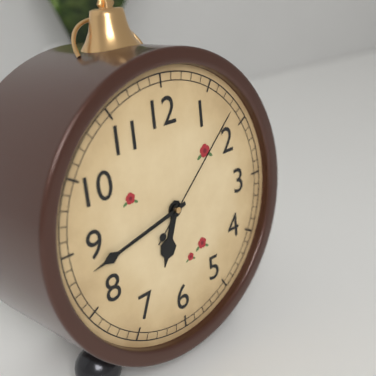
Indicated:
6 h 43 min 08 s
